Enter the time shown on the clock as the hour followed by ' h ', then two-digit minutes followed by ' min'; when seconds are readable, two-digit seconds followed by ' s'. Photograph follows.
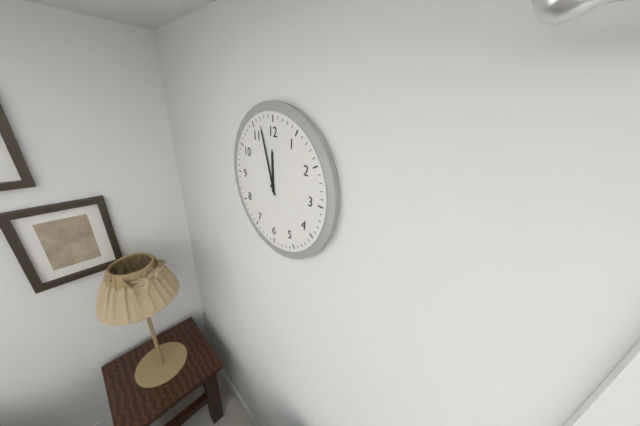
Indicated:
11 h 57 min
